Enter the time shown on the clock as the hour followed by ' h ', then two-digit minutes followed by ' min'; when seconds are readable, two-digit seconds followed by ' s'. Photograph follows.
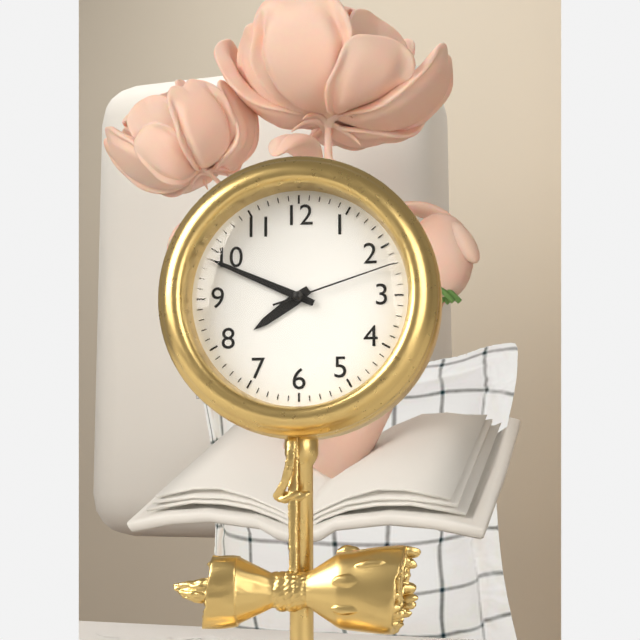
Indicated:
7 h 49 min 12 s
